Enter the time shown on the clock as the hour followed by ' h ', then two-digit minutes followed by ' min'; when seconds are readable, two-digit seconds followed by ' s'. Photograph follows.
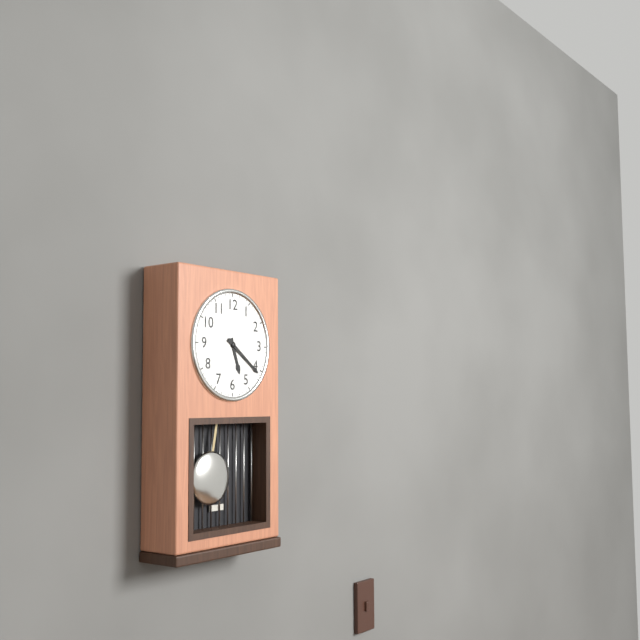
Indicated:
5 h 21 min
